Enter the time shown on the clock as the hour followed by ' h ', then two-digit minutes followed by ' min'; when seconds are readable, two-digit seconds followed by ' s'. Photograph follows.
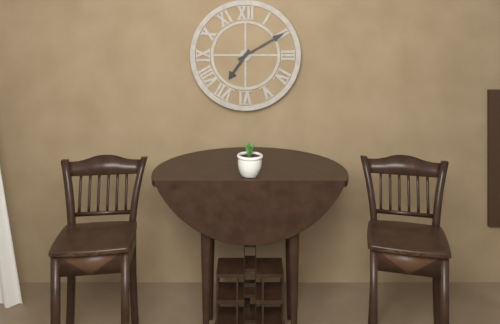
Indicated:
7 h 10 min
